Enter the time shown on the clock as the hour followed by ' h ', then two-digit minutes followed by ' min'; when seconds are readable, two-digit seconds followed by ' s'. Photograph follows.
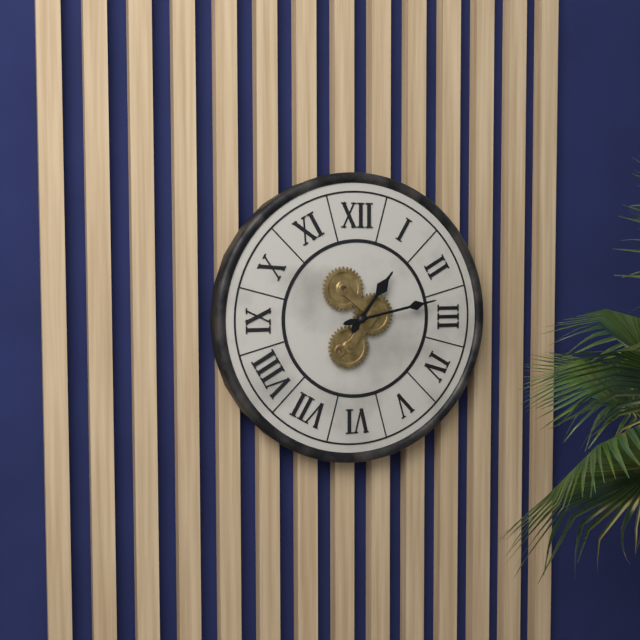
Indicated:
1 h 13 min
